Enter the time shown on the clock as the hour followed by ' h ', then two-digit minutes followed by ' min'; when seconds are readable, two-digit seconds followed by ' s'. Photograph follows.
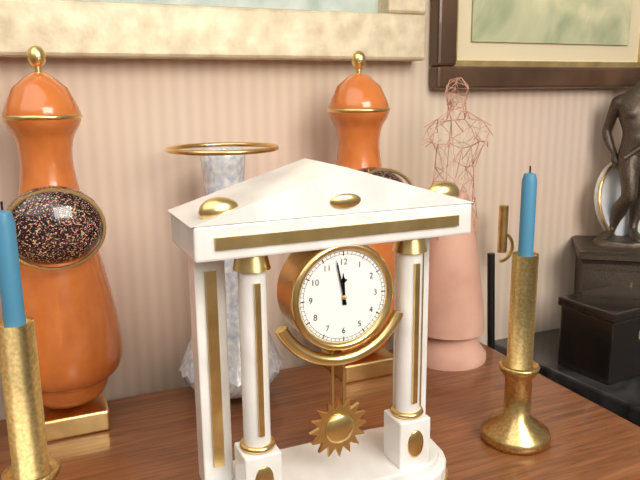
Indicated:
11 h 58 min
